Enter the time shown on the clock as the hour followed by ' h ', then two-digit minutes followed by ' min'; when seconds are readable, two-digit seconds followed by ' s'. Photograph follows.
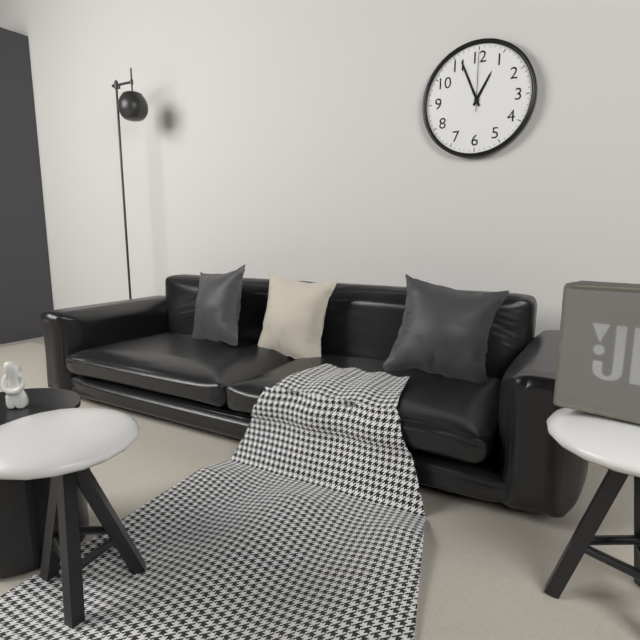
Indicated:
12 h 56 min 00 s
